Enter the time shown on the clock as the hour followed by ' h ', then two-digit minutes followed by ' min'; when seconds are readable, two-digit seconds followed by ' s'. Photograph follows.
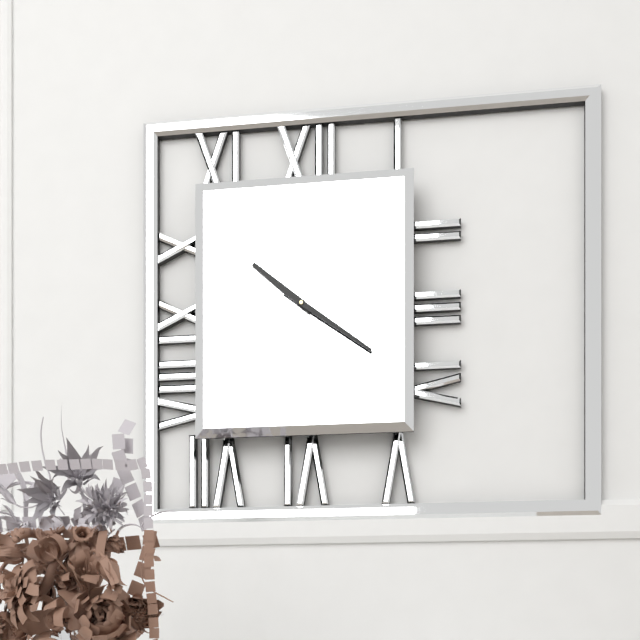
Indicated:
10 h 21 min
